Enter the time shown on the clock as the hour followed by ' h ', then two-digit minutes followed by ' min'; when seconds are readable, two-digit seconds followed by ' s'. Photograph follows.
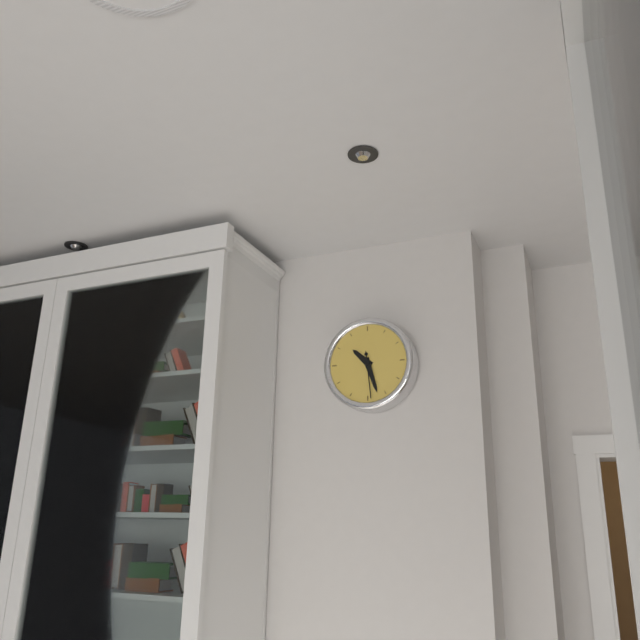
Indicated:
10 h 27 min
